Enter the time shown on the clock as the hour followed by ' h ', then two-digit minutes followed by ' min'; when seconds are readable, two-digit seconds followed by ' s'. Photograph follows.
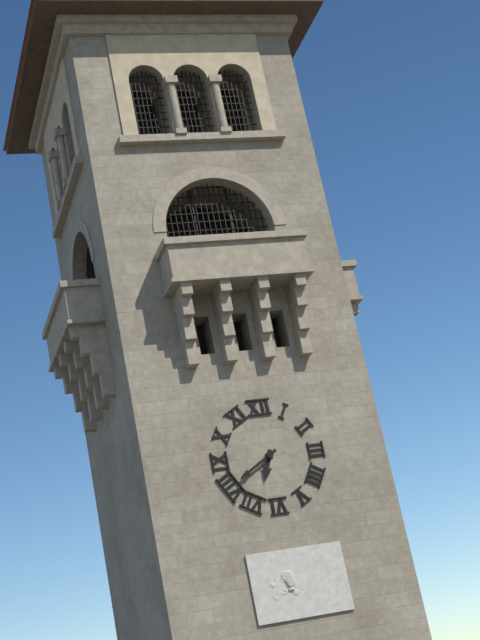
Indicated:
6 h 40 min
